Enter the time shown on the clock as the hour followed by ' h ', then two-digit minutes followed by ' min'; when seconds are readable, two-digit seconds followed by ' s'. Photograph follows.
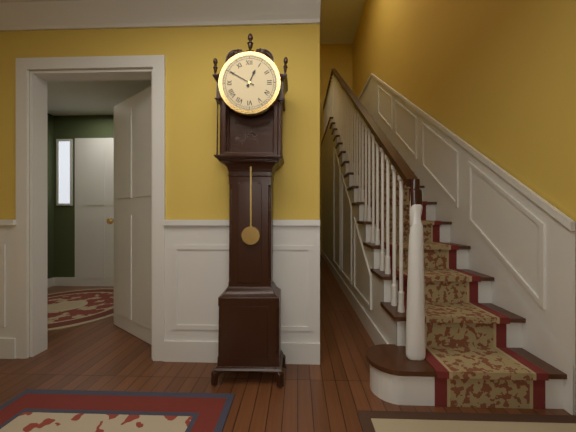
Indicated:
12 h 50 min
